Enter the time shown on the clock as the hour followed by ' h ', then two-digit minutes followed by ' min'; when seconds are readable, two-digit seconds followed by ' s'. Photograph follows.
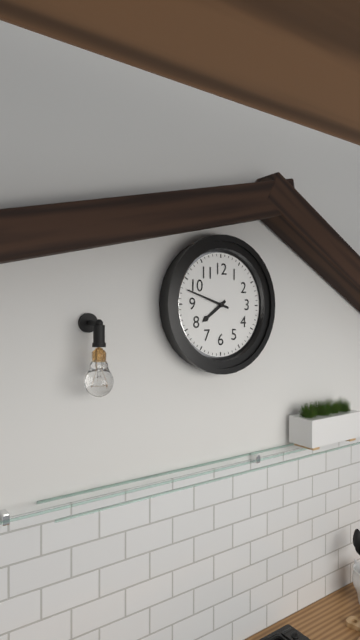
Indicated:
7 h 48 min
